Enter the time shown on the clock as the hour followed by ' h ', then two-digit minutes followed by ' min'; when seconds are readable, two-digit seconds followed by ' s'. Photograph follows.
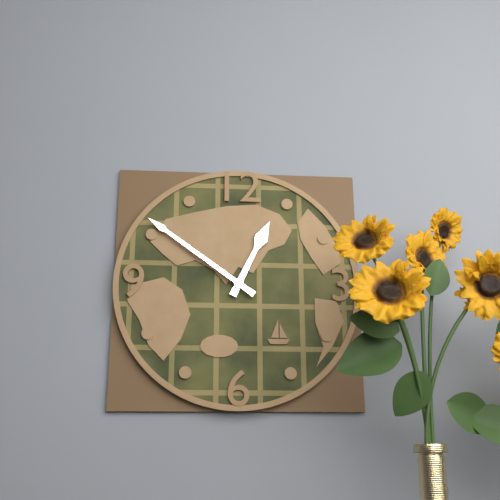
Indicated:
12 h 51 min
